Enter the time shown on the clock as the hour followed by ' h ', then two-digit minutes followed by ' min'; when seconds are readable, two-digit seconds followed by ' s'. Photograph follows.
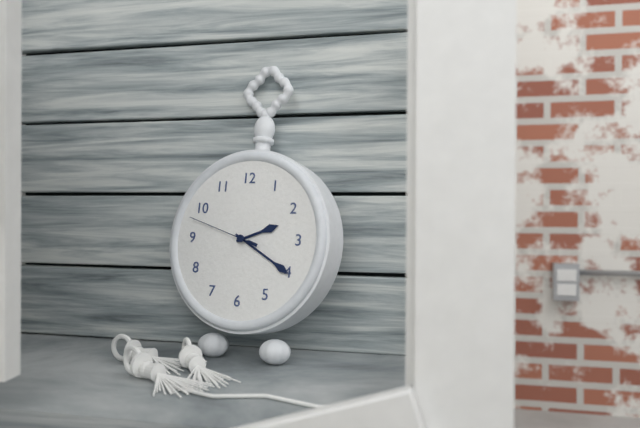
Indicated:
2 h 20 min 48 s
